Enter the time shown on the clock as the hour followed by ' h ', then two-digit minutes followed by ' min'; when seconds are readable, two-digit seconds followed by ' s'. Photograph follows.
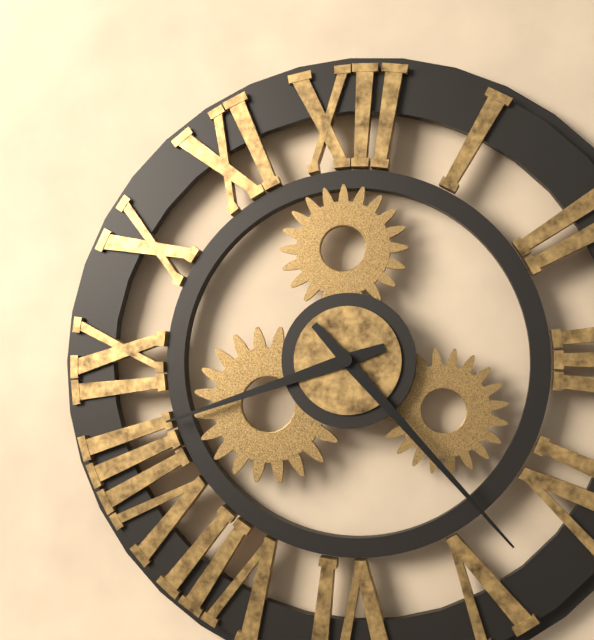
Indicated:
8 h 23 min
